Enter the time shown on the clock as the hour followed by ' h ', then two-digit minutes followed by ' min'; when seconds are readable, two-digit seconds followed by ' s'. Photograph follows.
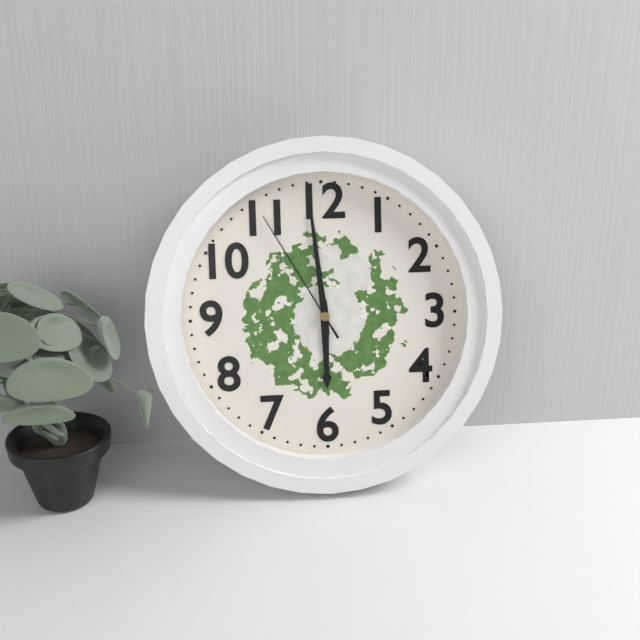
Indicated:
5 h 59 min 55 s
